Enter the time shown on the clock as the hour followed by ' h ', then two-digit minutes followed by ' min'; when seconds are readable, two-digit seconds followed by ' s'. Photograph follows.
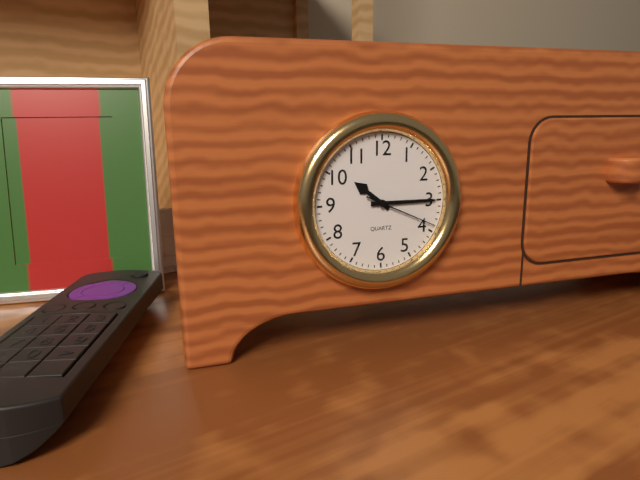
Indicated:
10 h 15 min 19 s
